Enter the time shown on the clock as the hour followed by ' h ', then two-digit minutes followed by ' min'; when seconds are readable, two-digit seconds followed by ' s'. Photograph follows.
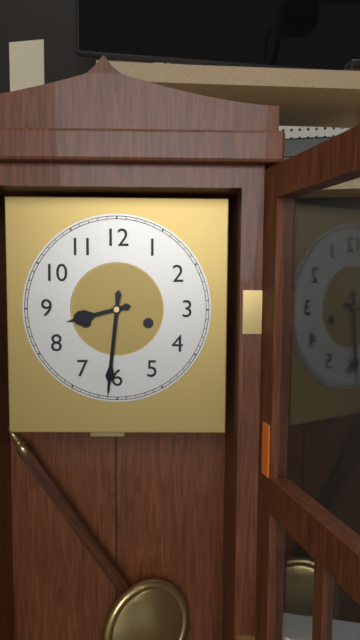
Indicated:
8 h 31 min
